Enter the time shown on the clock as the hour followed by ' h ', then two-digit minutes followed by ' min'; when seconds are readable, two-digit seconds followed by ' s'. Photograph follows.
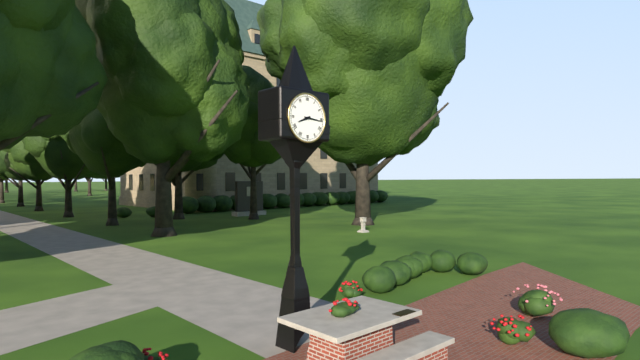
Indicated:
8 h 16 min
